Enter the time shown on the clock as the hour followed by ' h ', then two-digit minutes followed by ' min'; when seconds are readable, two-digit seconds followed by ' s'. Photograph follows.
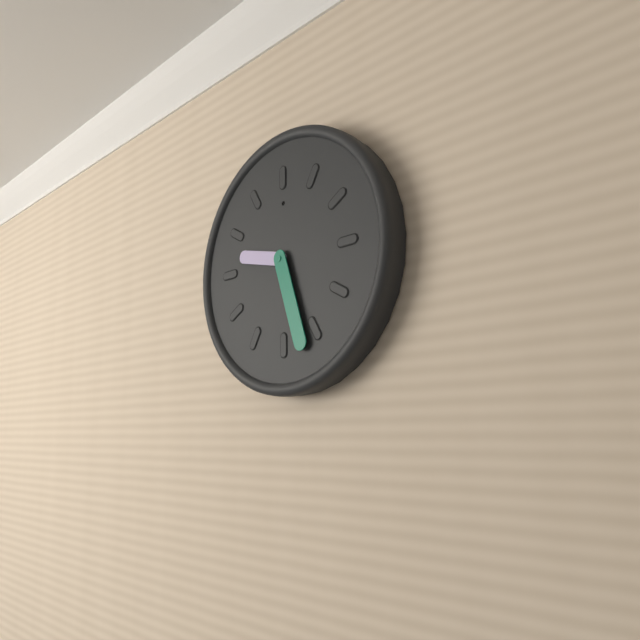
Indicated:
9 h 27 min
